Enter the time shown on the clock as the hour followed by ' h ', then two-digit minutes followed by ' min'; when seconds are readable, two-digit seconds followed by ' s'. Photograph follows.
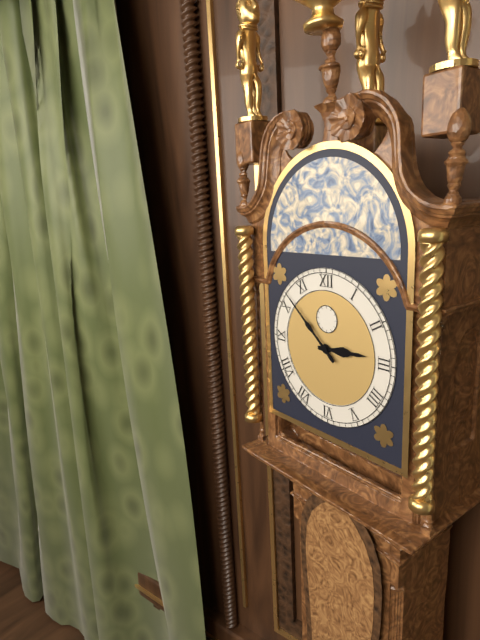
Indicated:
2 h 52 min
